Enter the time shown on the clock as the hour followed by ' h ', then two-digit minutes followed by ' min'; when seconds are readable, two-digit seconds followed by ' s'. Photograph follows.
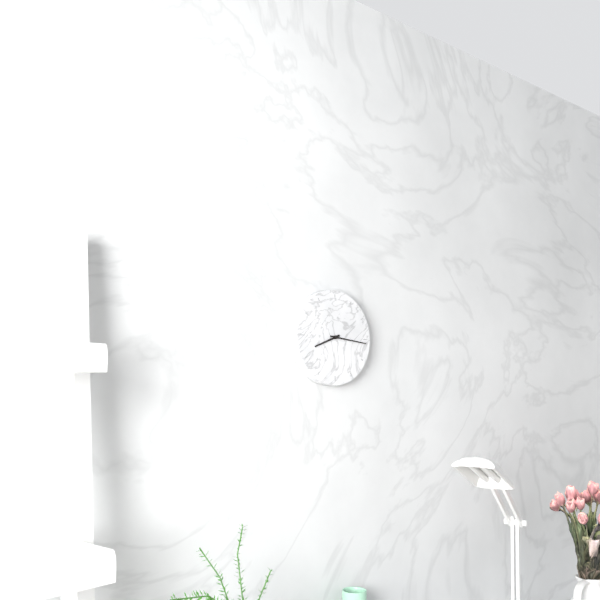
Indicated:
8 h 16 min
